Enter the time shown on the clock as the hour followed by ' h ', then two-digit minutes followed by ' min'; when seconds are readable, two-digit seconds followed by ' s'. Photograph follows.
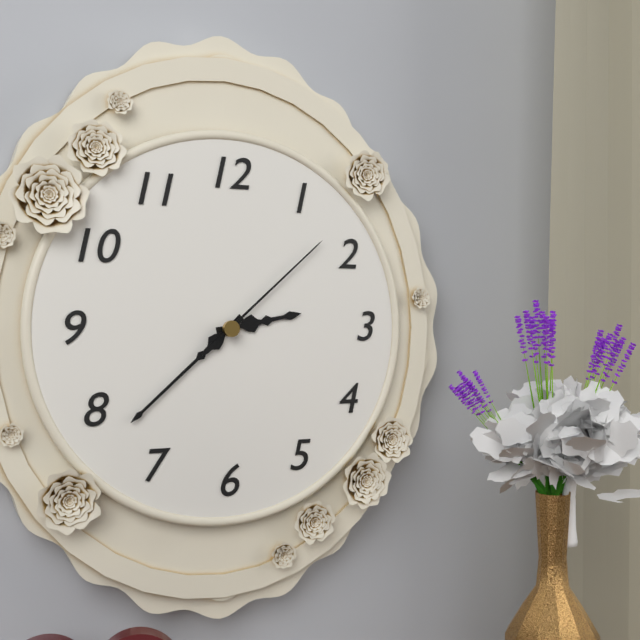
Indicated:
2 h 38 min 08 s
